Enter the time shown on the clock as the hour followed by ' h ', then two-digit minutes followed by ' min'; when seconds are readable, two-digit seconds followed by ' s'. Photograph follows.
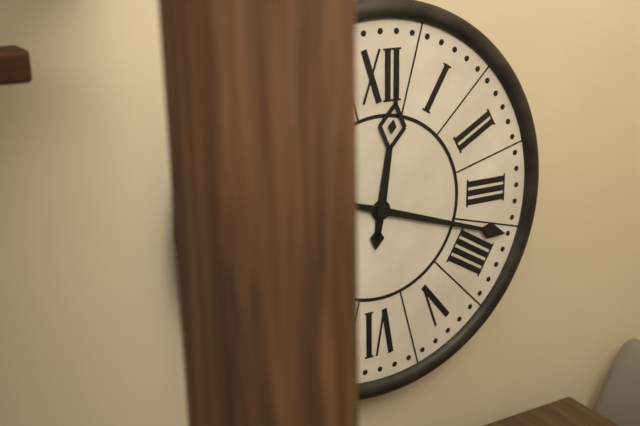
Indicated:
12 h 18 min
